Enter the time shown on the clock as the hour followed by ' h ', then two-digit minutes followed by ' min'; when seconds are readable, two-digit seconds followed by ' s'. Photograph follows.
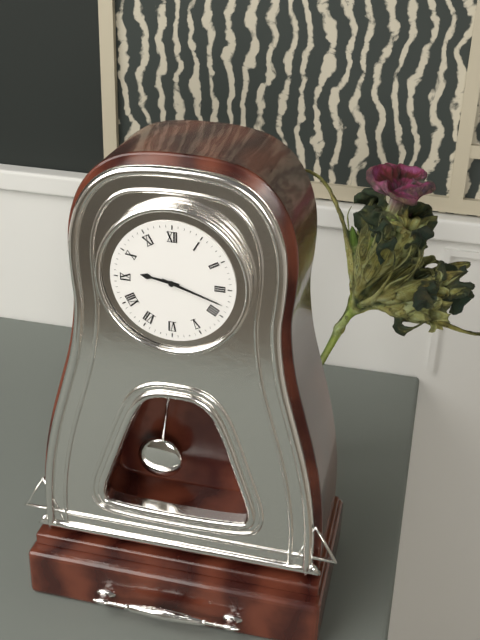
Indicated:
9 h 18 min
